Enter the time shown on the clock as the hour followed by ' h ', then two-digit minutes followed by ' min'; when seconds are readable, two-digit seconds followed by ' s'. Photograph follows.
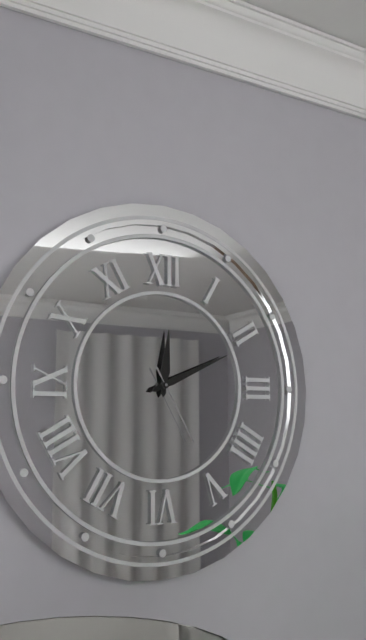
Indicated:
12 h 11 min 25 s
